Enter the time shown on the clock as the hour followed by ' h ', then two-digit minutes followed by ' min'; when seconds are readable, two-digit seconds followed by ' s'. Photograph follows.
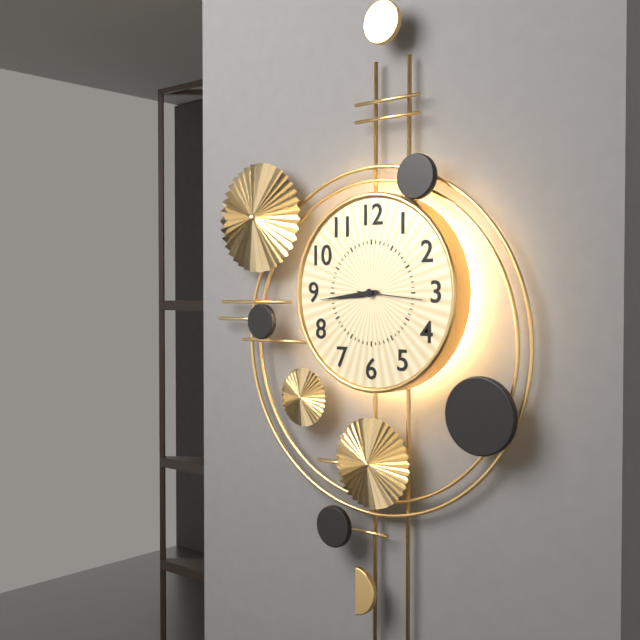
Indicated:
8 h 44 min 16 s
